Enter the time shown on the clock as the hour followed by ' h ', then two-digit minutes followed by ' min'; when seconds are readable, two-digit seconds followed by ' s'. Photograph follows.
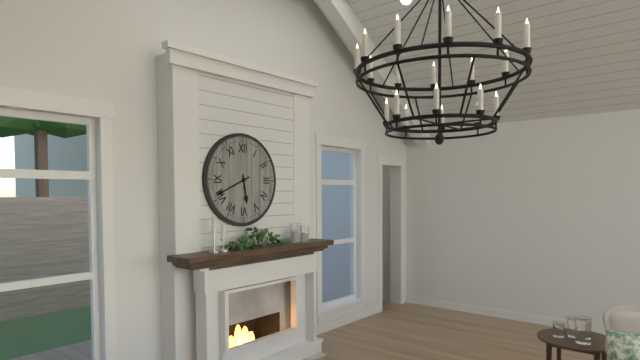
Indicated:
5 h 41 min
